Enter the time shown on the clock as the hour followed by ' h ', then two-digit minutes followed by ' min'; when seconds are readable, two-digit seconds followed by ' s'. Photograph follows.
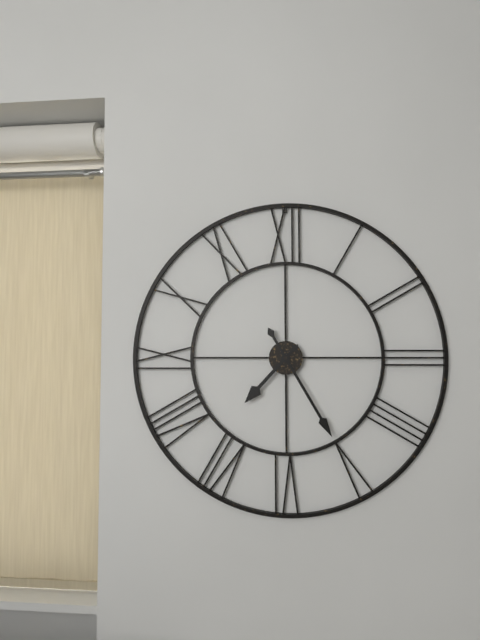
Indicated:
7 h 25 min
